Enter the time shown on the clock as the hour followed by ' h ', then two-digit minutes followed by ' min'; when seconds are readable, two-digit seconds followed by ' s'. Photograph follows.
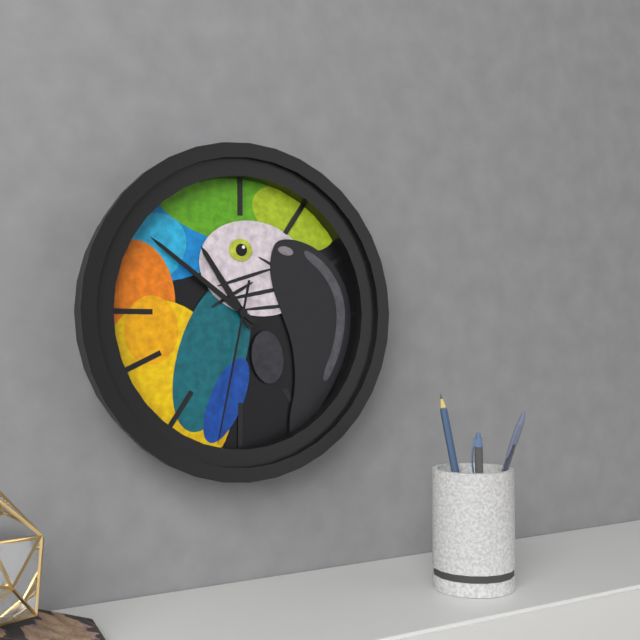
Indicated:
10 h 51 min 32 s
